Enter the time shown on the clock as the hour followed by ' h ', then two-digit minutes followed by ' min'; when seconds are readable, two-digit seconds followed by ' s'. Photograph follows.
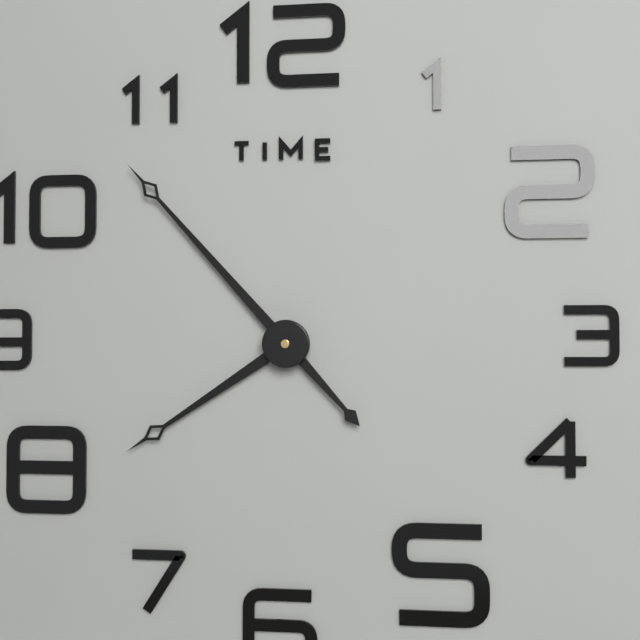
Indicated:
7 h 53 min
